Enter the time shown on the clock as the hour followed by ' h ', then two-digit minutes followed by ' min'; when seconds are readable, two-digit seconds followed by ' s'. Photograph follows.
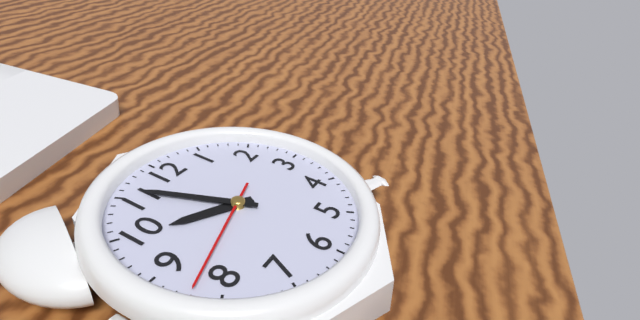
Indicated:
9 h 56 min 42 s
